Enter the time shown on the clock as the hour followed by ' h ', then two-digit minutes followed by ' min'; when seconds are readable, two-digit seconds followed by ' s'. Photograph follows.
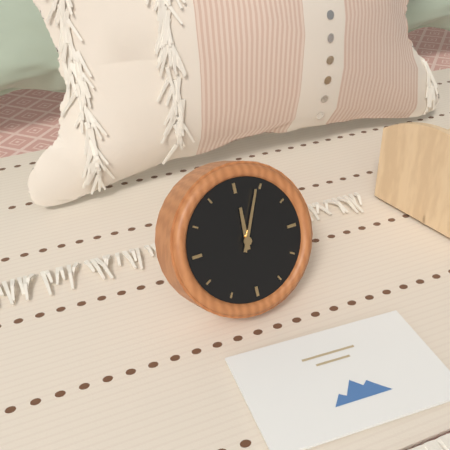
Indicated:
12 h 04 min
